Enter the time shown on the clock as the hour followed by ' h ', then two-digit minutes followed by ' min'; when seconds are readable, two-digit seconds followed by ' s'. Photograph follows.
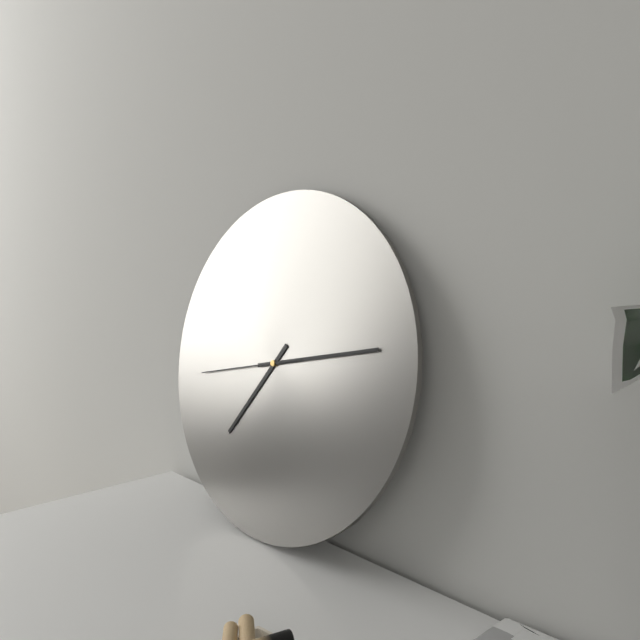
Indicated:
7 h 13 min 43 s
